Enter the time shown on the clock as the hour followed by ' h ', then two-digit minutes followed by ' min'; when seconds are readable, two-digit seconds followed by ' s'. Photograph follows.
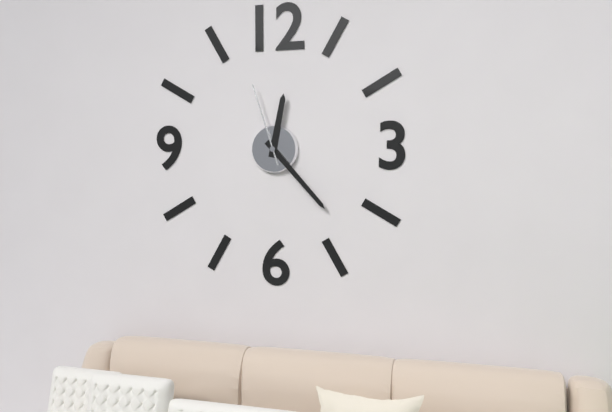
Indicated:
12 h 23 min 57 s
